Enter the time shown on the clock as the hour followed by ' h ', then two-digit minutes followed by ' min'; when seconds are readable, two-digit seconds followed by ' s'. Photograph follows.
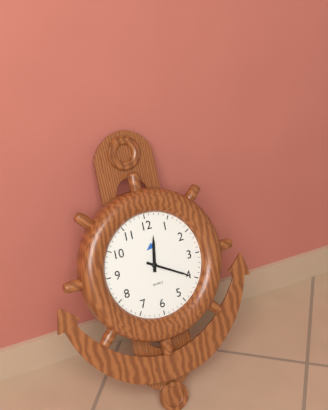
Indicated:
12 h 20 min
